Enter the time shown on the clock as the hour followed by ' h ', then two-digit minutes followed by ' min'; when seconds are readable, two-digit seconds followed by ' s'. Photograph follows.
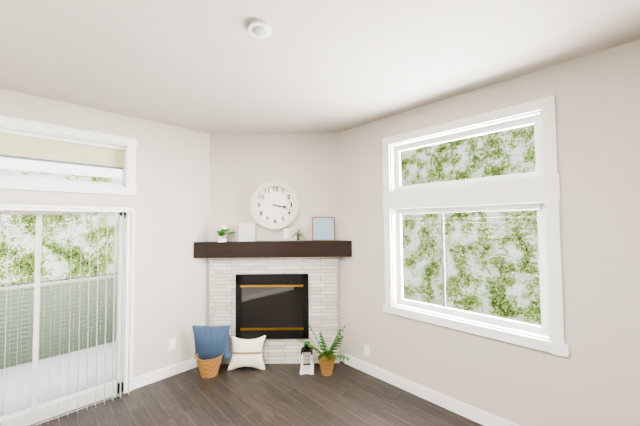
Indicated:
3 h 18 min
